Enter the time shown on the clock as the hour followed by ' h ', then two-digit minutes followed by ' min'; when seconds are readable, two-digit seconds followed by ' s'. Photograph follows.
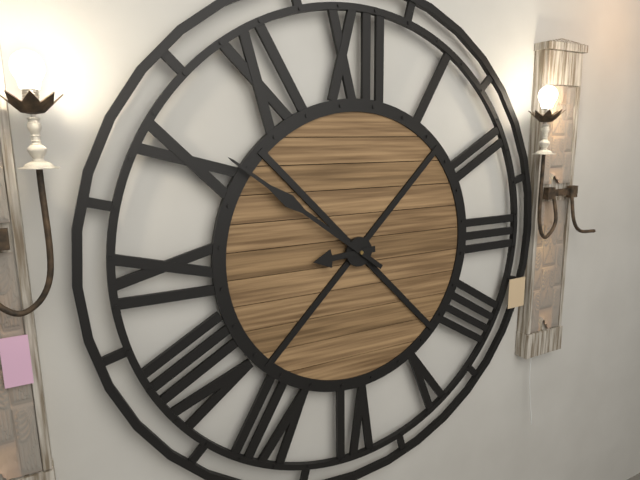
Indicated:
8 h 51 min
